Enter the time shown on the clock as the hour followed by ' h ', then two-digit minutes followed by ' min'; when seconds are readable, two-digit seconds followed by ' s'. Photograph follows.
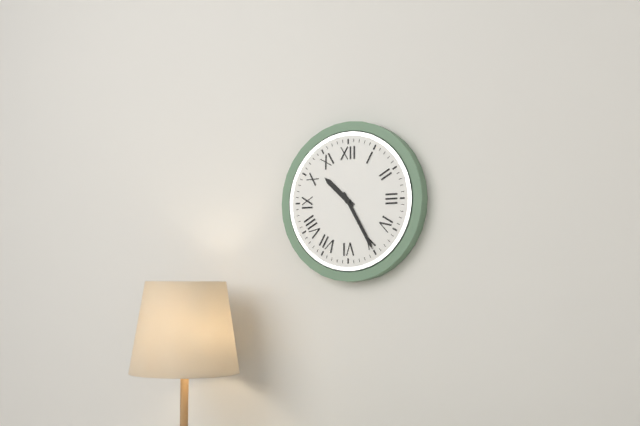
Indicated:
10 h 25 min
